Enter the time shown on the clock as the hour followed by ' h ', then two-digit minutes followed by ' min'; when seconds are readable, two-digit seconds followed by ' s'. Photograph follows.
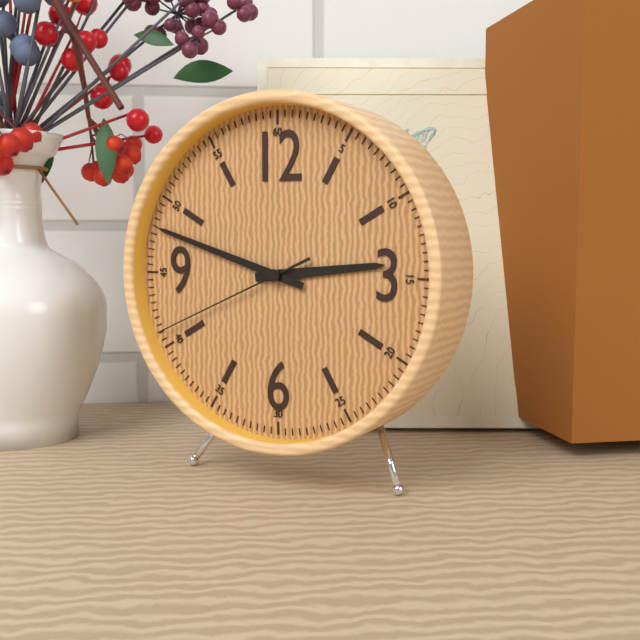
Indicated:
2 h 48 min 41 s
